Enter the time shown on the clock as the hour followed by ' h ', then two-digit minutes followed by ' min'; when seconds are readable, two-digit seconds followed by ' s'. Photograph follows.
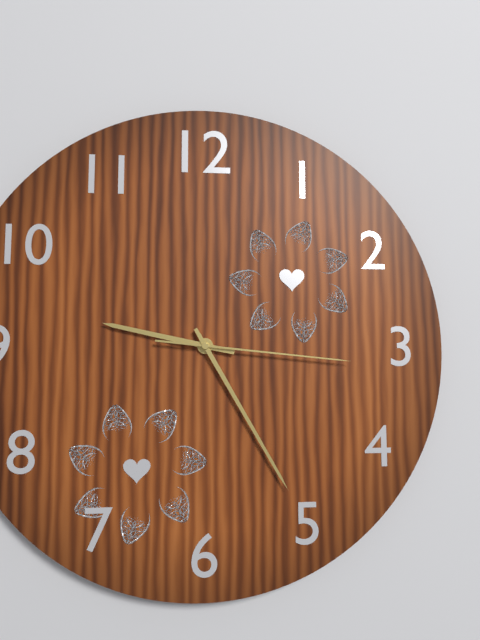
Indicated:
9 h 25 min 16 s
